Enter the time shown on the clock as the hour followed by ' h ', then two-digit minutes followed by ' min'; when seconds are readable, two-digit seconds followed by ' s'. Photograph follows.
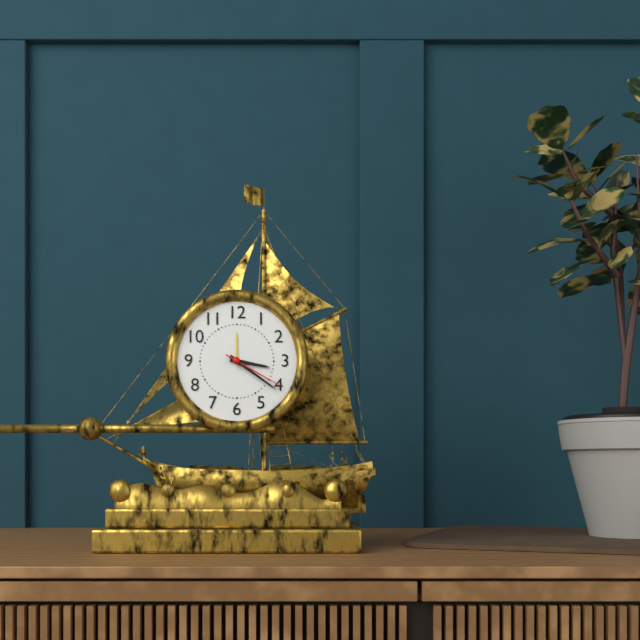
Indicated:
3 h 21 min 20 s
